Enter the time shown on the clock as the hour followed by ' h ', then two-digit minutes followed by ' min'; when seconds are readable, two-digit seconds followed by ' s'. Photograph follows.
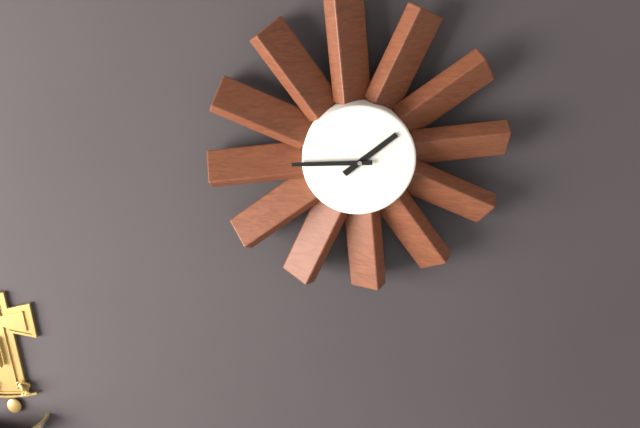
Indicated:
1 h 45 min
